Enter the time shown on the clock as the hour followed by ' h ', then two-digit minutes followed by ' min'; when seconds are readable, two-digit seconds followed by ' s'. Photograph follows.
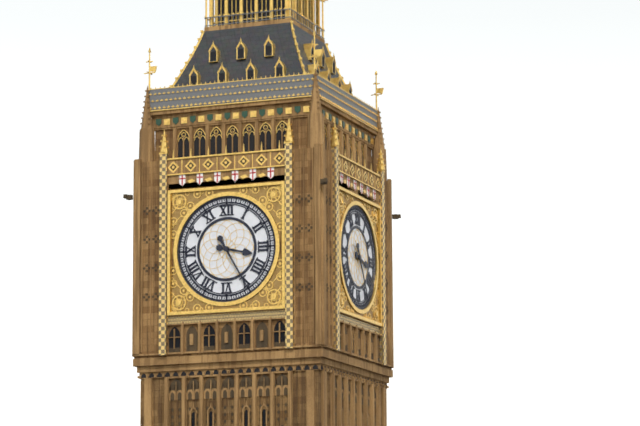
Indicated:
3 h 25 min
